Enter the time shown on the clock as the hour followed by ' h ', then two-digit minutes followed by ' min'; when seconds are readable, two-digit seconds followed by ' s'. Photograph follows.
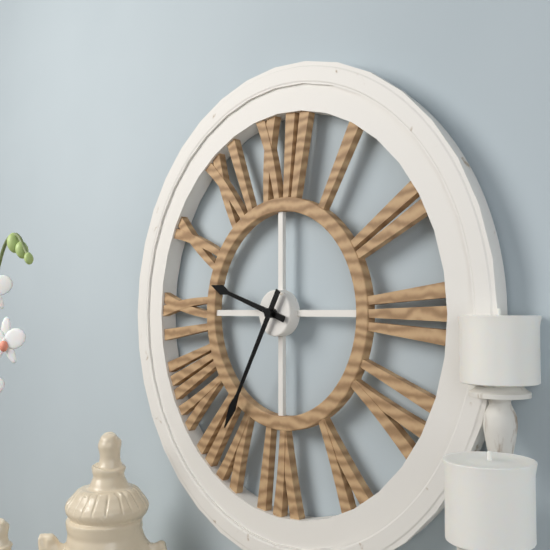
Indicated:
9 h 35 min
